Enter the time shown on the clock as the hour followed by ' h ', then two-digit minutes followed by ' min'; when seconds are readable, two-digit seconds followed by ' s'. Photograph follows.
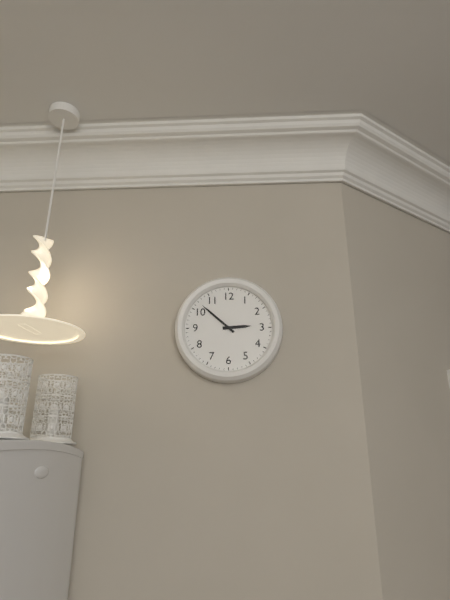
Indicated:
2 h 52 min
